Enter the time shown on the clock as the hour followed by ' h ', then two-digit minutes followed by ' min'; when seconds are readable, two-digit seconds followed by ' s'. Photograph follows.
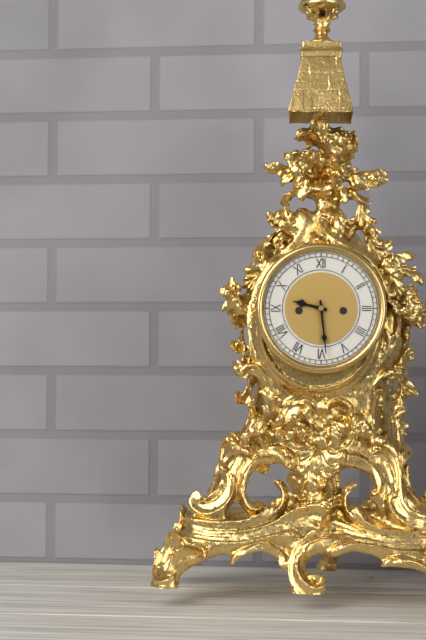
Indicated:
9 h 29 min
